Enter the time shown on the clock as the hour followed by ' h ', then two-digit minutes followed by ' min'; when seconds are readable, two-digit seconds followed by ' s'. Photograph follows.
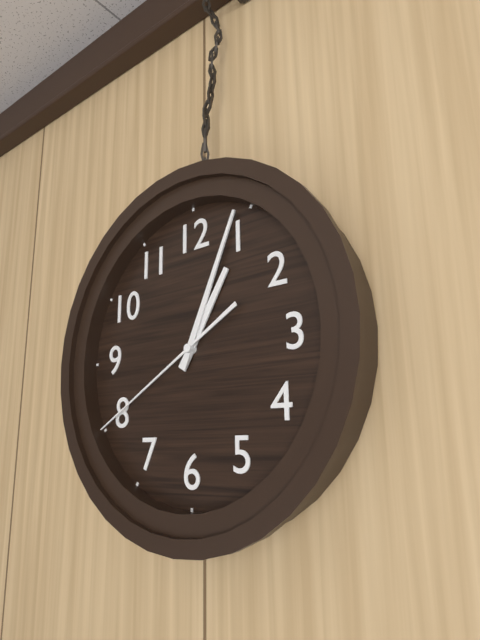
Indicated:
1 h 04 min 40 s
